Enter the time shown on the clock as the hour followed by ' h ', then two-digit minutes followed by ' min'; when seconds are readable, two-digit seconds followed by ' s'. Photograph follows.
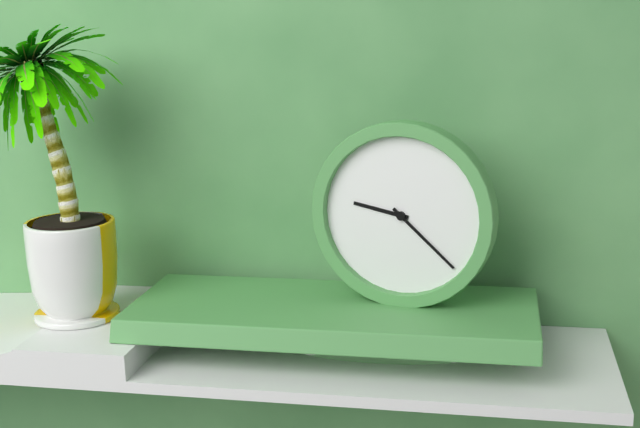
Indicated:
9 h 22 min
